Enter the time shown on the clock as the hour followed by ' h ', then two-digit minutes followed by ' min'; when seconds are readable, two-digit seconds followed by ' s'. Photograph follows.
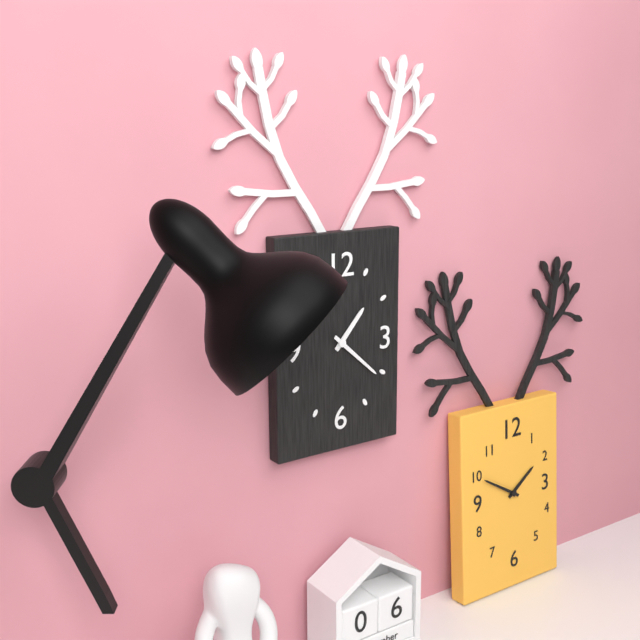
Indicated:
1 h 22 min
